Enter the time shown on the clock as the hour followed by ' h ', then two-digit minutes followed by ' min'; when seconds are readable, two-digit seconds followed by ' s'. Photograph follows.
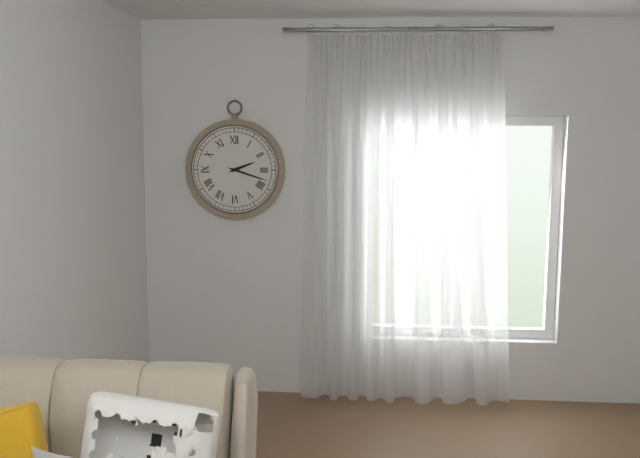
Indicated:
2 h 18 min
